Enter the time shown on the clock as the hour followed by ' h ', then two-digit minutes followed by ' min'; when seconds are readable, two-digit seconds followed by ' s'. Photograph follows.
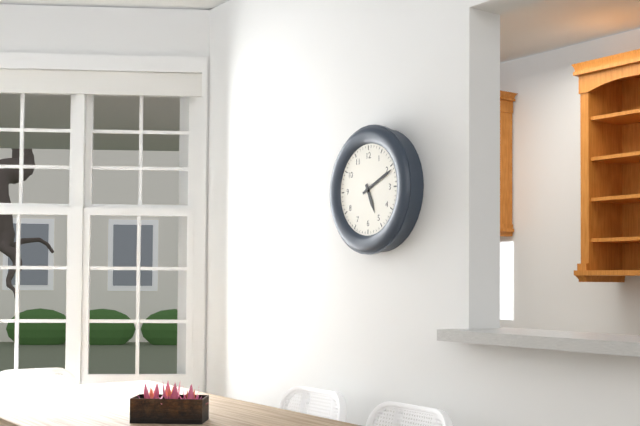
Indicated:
5 h 11 min
